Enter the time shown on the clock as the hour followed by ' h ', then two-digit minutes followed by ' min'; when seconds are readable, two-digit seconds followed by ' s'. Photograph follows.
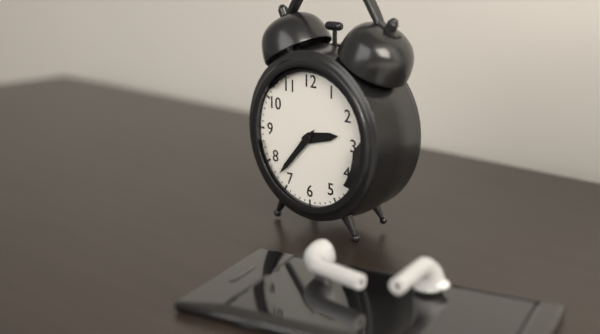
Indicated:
2 h 37 min
